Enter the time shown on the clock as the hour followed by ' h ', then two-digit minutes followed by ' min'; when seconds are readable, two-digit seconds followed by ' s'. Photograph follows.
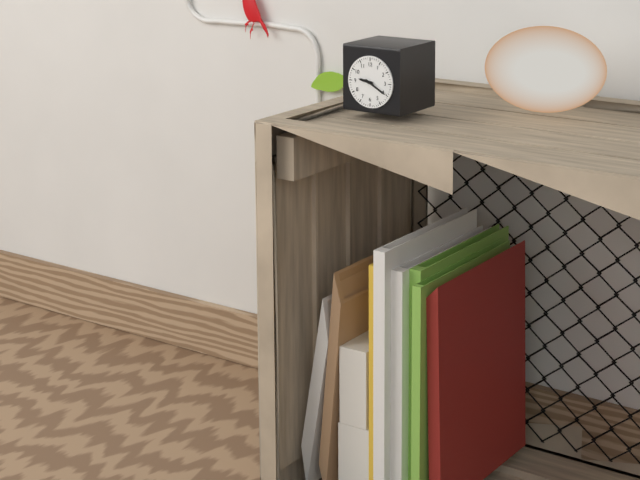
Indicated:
9 h 20 min
